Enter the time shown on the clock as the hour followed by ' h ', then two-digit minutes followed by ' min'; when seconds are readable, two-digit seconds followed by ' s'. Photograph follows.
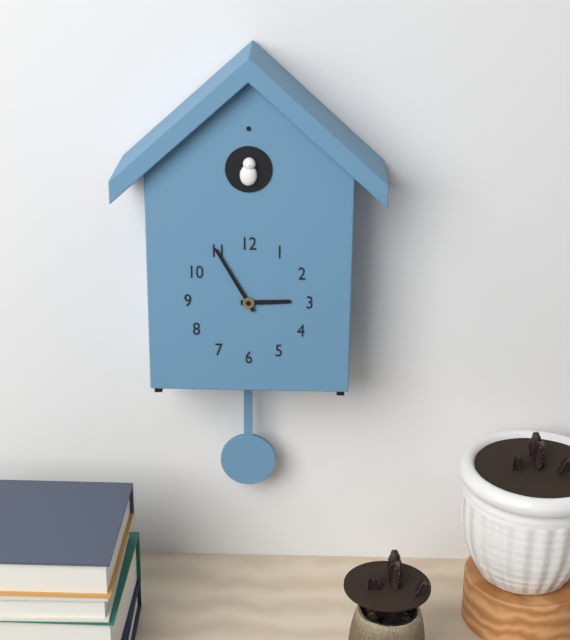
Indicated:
2 h 55 min
